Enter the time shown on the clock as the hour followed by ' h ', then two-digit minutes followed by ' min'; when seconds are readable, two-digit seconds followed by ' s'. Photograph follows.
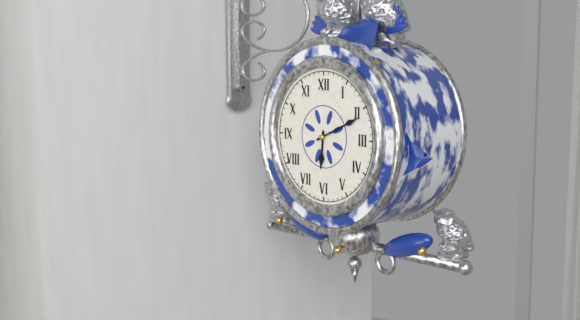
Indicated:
6 h 11 min
